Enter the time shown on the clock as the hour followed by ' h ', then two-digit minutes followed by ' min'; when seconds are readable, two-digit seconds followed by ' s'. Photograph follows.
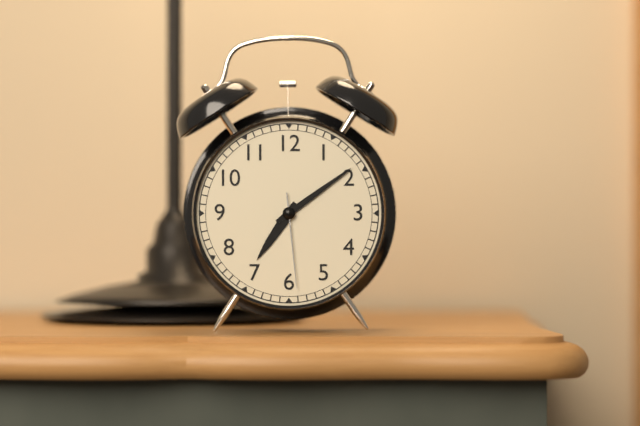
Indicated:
7 h 09 min 29 s
